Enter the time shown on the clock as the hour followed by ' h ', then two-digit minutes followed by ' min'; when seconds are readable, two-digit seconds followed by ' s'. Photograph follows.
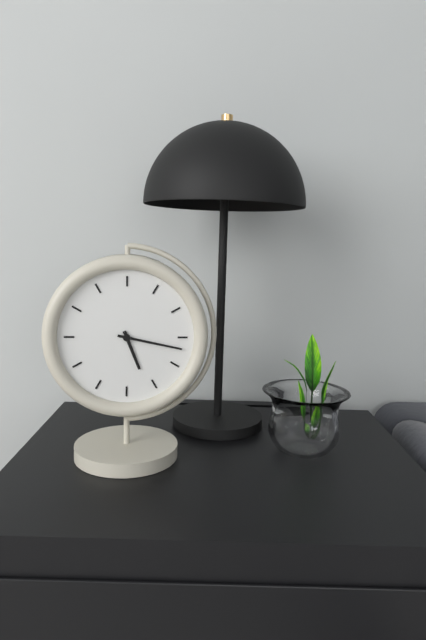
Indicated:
5 h 17 min
